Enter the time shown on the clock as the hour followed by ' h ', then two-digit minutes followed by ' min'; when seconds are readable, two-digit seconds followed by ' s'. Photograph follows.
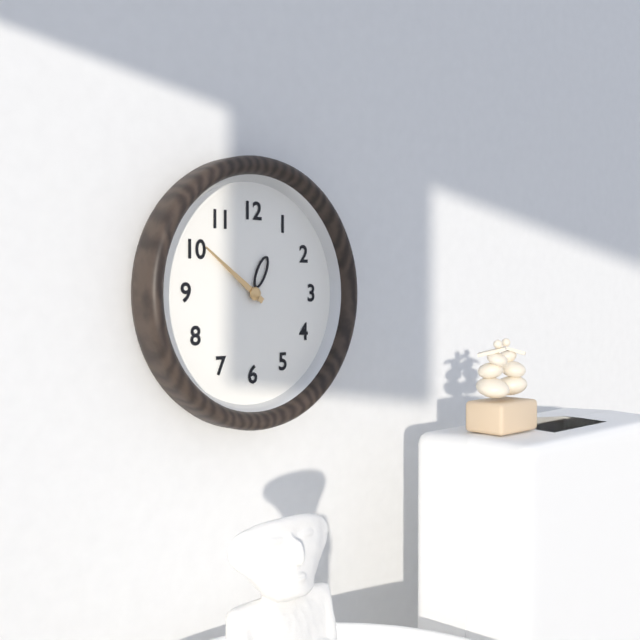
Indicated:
12 h 51 min
